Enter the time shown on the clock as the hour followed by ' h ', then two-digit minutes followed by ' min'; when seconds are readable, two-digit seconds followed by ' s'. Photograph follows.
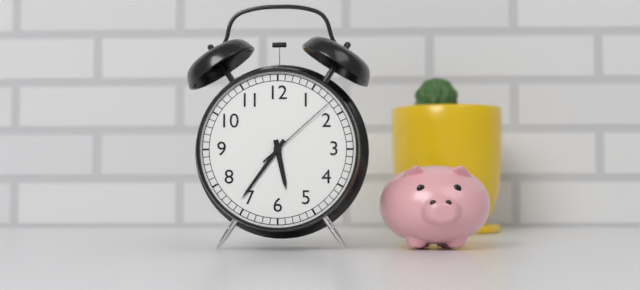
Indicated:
5 h 36 min 08 s
